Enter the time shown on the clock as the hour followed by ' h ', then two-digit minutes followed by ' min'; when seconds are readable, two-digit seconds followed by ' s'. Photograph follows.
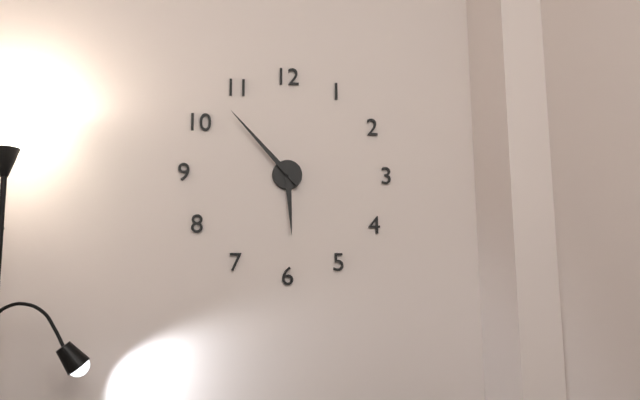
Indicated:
5 h 53 min
